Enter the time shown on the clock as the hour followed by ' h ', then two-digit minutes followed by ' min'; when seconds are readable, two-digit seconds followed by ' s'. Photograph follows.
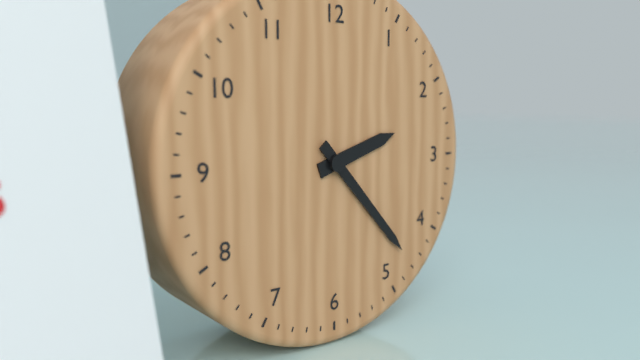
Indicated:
2 h 23 min
